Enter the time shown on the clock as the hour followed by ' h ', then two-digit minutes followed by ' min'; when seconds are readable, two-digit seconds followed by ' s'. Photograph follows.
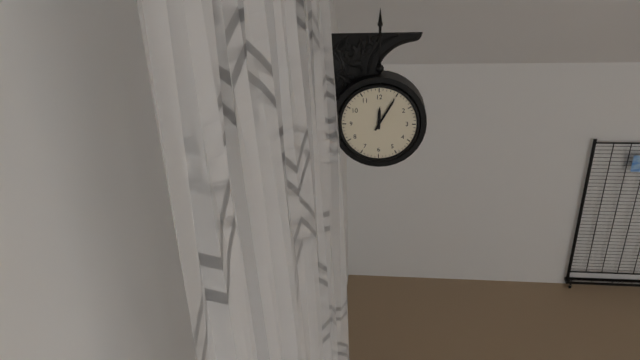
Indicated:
12 h 05 min
